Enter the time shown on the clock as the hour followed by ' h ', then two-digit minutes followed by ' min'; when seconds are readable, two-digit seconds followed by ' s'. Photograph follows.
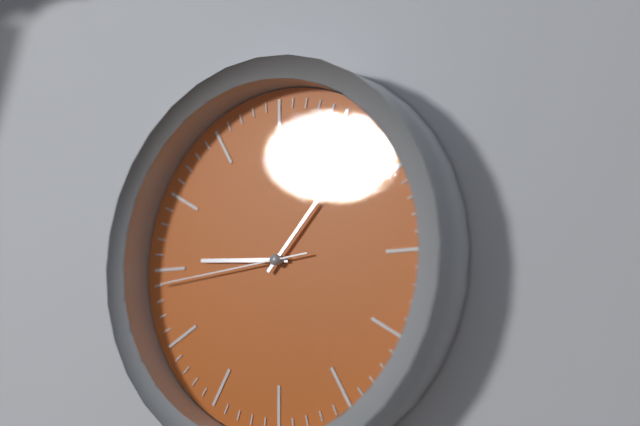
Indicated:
9 h 07 min 44 s
